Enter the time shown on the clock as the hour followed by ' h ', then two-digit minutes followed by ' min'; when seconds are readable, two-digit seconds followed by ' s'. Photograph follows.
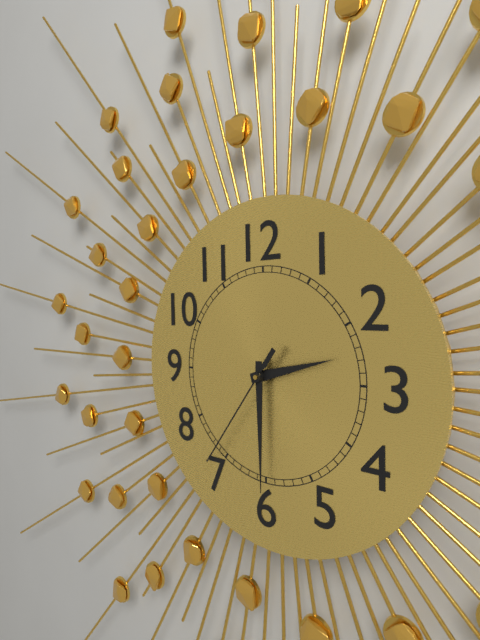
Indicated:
2 h 30 min 36 s
